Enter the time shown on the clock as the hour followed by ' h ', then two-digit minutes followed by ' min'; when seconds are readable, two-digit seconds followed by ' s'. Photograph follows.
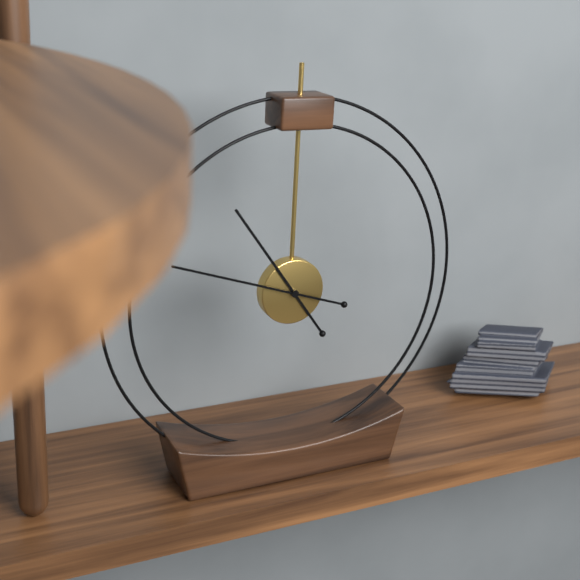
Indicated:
10 h 48 min
